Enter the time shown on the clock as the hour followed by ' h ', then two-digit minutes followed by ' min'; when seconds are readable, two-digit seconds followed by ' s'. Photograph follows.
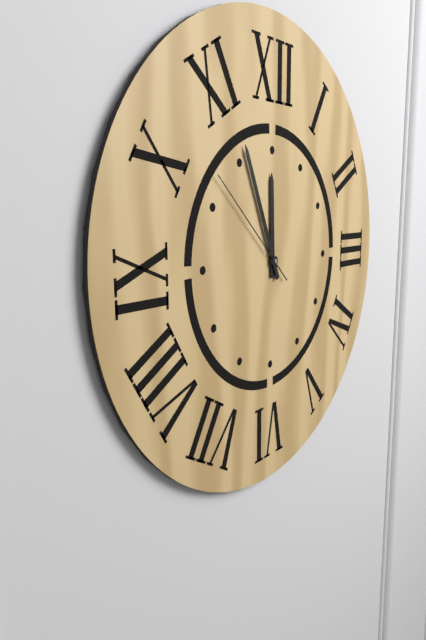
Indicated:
11 h 56 min 52 s
